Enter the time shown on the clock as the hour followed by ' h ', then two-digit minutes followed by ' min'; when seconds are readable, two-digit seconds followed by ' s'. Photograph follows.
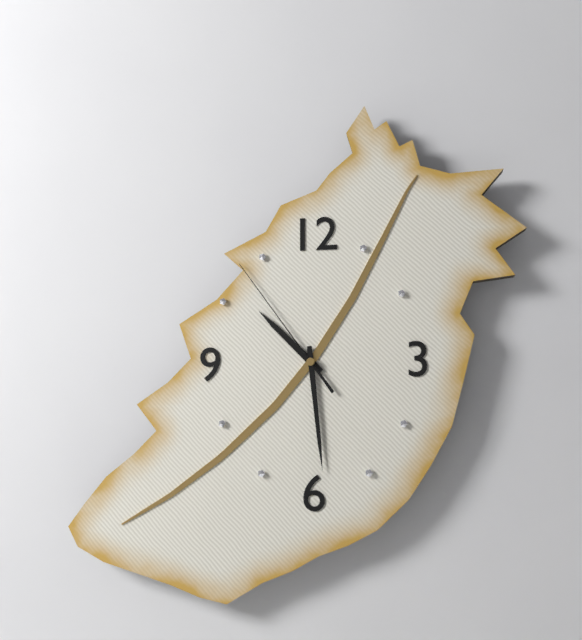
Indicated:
10 h 29 min 54 s
